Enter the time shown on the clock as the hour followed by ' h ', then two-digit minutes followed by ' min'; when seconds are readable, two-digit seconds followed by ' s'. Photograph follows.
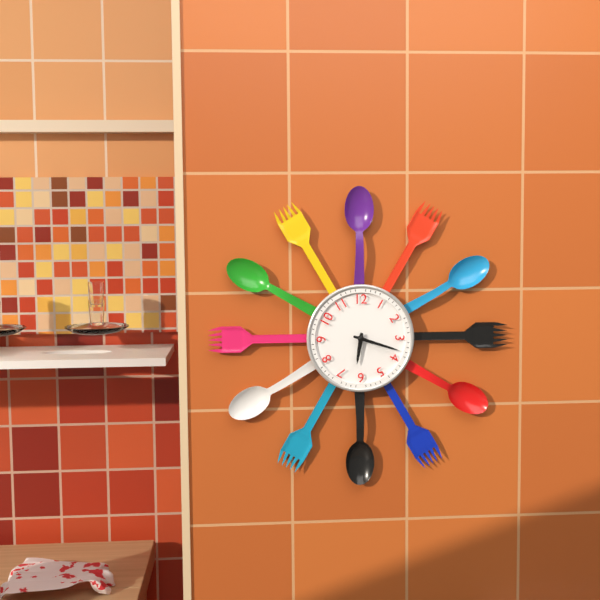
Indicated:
6 h 18 min
